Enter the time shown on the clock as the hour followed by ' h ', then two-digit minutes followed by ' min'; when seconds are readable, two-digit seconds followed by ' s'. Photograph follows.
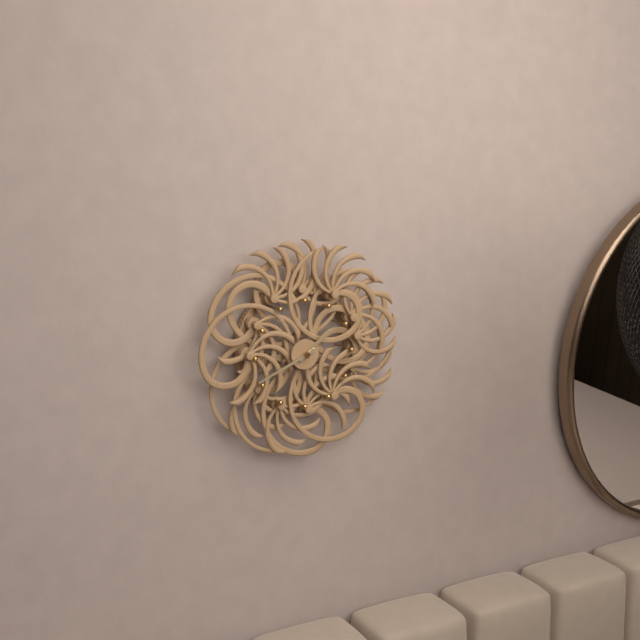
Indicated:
1 h 41 min
